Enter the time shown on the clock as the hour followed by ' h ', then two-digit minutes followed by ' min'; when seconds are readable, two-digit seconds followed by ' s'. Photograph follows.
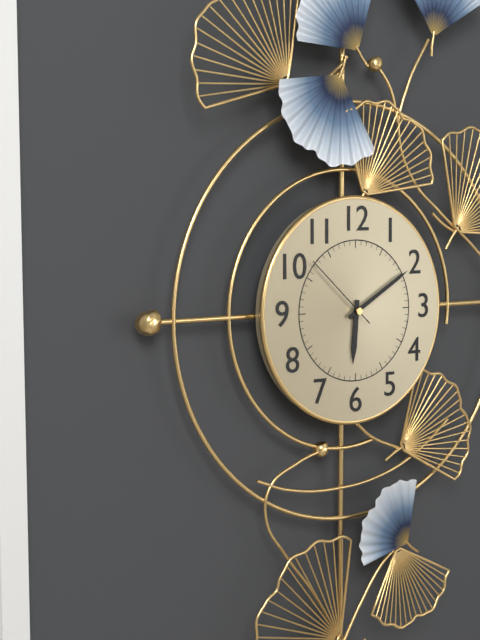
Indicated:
6 h 10 min 52 s
